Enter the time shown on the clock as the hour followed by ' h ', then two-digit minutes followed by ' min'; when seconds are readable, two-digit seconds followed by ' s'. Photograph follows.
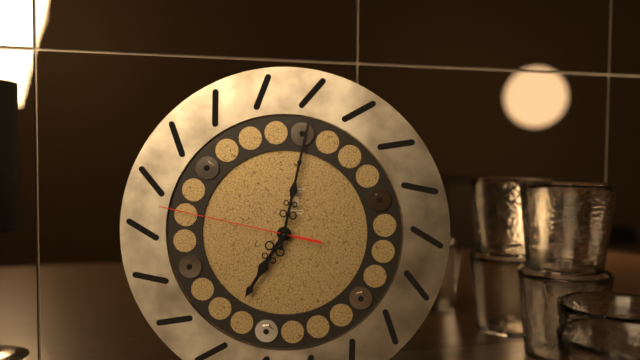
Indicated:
7 h 02 min 47 s
